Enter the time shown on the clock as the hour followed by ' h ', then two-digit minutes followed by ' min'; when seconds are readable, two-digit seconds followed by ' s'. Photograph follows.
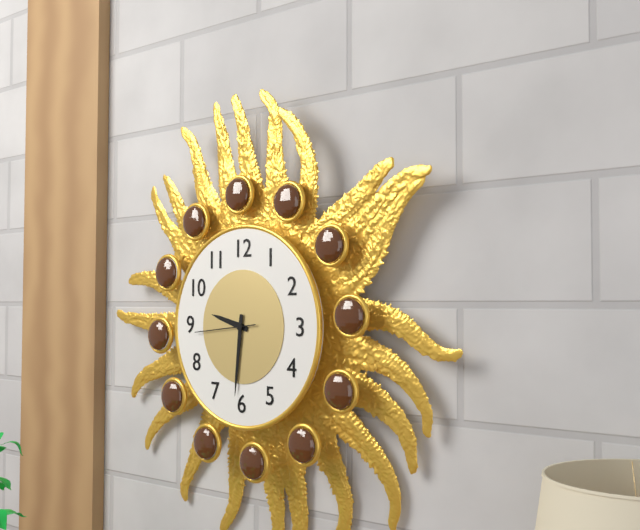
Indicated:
9 h 31 min 44 s
